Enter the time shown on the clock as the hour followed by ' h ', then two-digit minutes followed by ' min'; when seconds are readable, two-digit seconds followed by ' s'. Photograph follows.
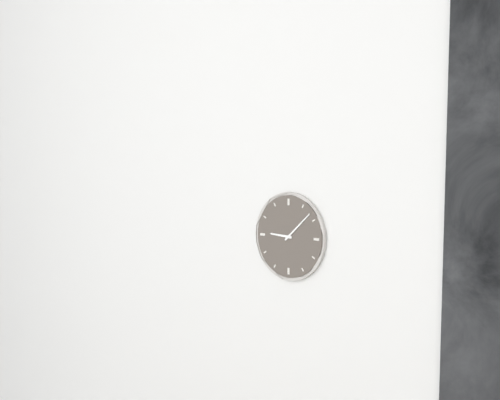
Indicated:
9 h 08 min
